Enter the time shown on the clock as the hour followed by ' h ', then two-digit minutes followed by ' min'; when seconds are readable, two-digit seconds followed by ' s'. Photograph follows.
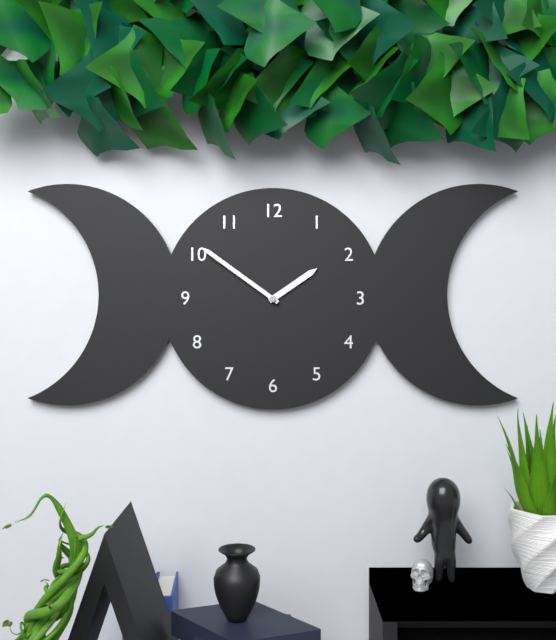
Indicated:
1 h 51 min
